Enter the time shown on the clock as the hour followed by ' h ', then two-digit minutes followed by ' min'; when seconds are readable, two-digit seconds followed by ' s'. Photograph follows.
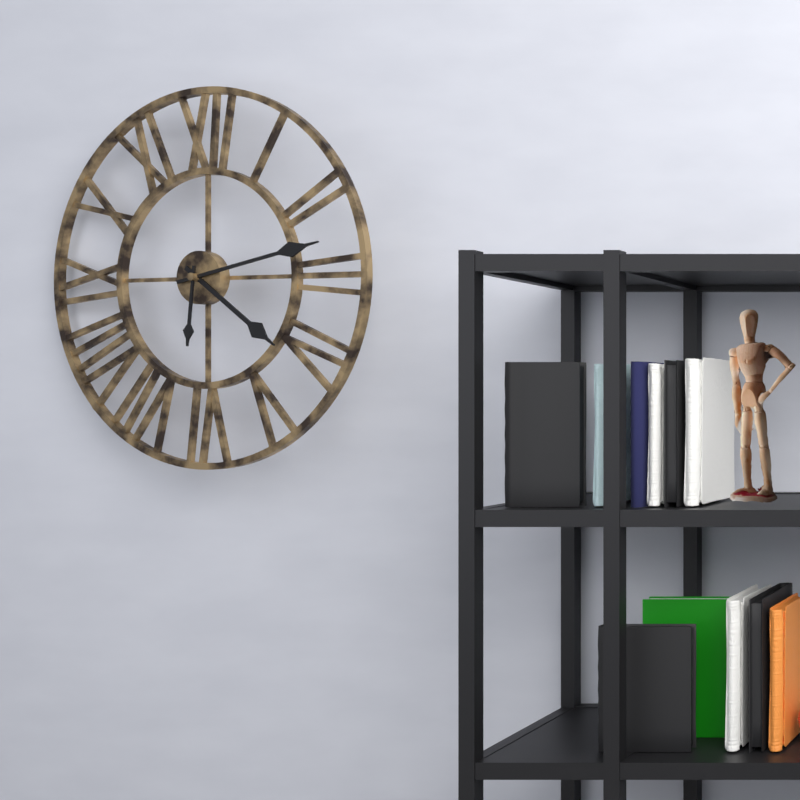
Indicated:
4 h 13 min 31 s
